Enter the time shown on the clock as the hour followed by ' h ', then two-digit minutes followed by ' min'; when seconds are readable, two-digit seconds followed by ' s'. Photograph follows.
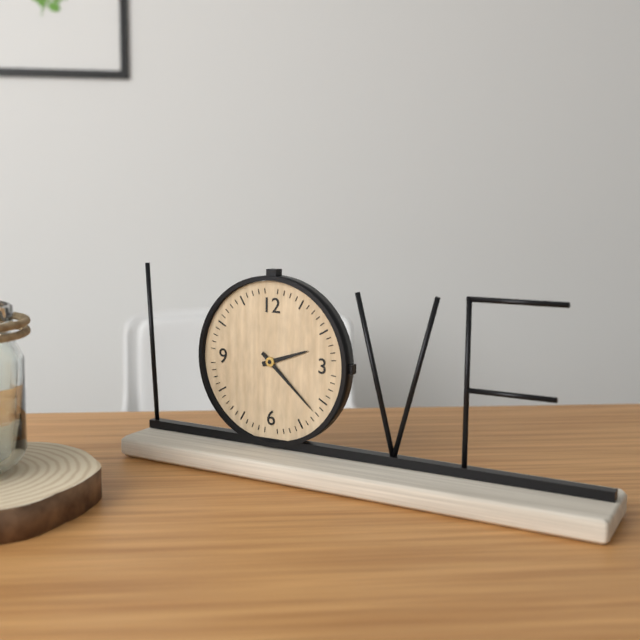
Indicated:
2 h 22 min
